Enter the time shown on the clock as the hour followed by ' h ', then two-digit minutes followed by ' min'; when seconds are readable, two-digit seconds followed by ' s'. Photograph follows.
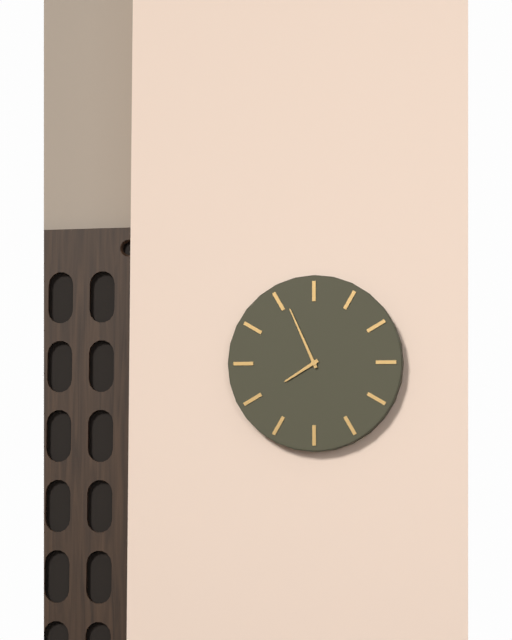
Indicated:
7 h 56 min
